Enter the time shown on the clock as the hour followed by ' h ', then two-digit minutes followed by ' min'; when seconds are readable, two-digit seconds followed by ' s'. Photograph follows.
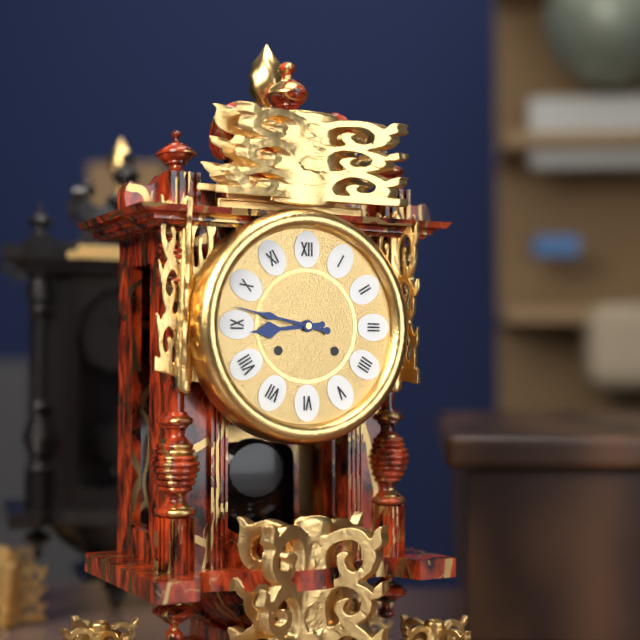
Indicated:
8 h 47 min
